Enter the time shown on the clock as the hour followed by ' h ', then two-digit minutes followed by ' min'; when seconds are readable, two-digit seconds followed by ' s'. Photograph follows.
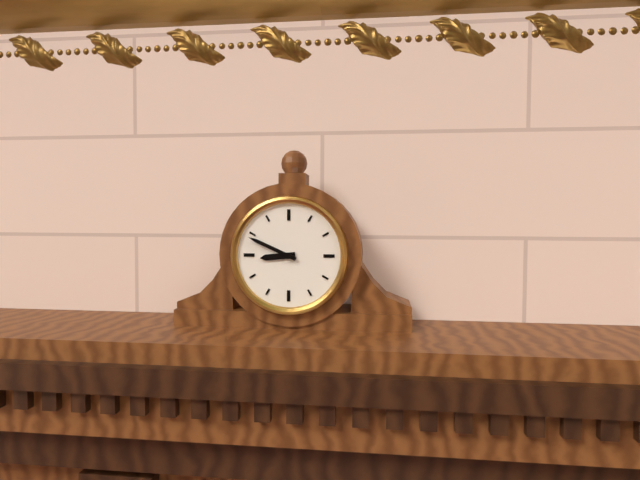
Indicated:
8 h 49 min
